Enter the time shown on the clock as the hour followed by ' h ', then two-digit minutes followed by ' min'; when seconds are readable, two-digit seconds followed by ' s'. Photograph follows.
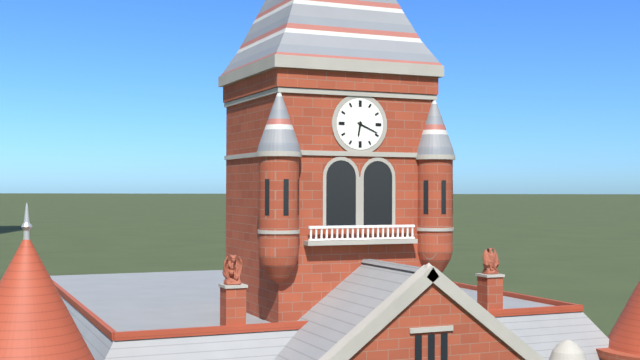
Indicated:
6 h 19 min
